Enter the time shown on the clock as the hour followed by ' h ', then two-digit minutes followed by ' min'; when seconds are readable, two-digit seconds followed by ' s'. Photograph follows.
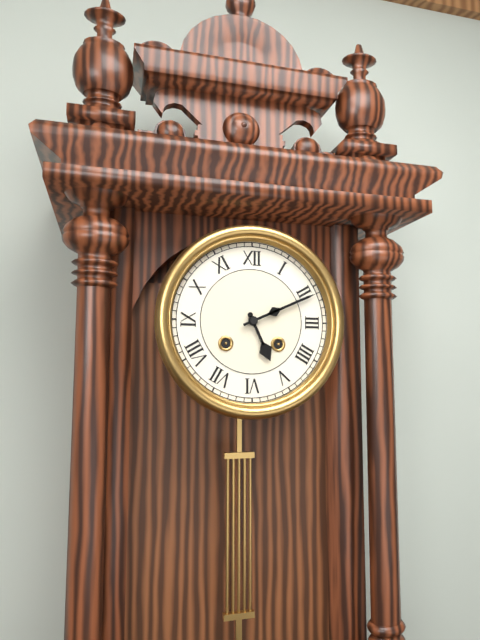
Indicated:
5 h 11 min
